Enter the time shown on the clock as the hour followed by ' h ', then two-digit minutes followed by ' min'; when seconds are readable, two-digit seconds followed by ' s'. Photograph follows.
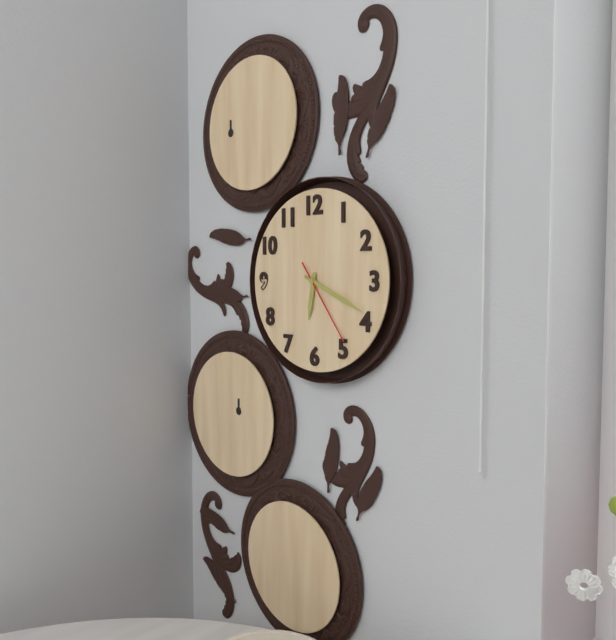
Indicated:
6 h 19 min 24 s
